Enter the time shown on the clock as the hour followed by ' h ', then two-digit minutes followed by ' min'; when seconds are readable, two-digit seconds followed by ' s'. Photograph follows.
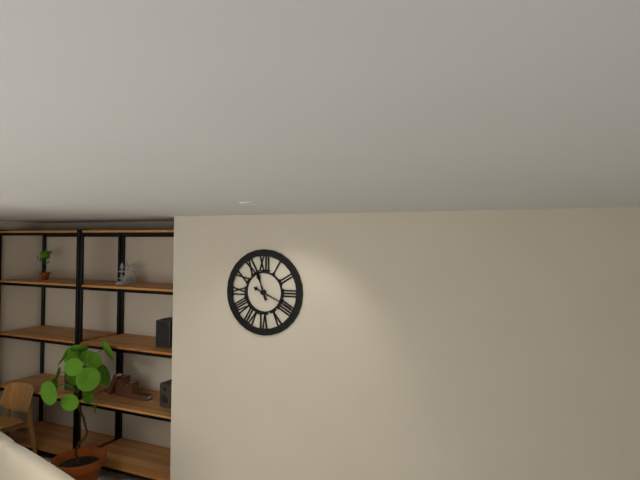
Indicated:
11 h 19 min
